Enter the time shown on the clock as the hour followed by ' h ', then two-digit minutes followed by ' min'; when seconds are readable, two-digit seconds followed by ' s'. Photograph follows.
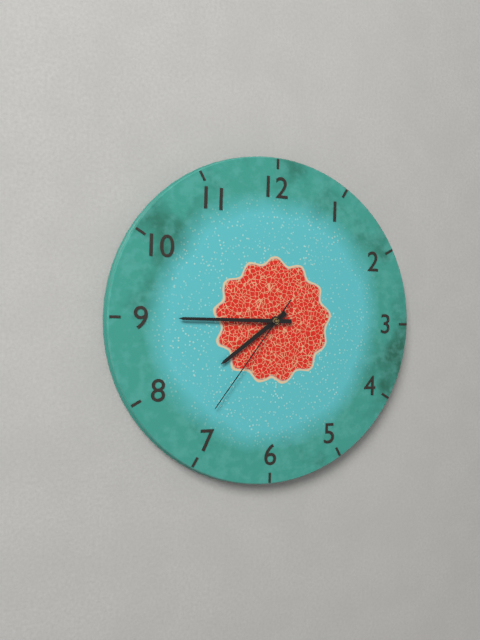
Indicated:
7 h 45 min 36 s
